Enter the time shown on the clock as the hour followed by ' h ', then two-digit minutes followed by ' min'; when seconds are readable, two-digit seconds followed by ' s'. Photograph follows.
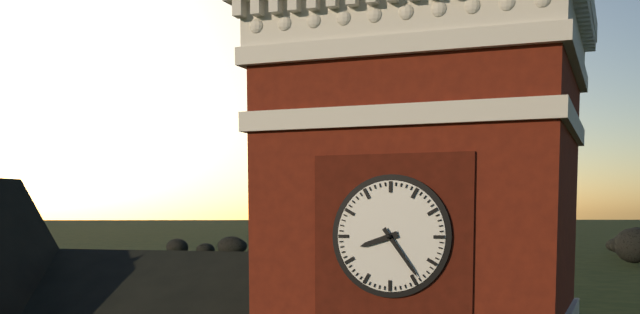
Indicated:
8 h 24 min
